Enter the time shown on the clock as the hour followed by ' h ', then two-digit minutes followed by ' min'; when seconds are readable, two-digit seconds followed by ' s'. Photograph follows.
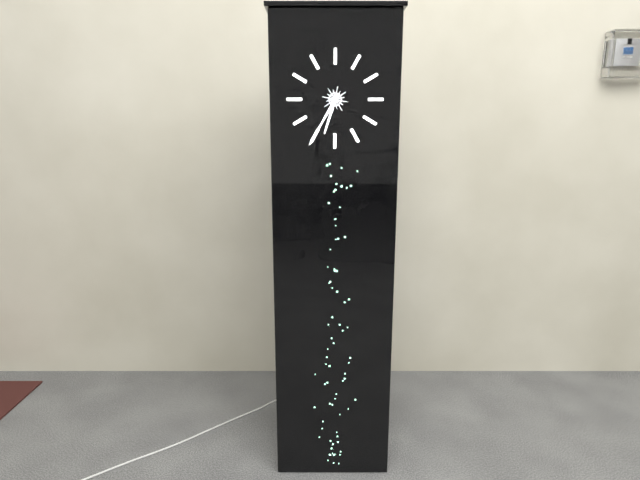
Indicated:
6 h 35 min
